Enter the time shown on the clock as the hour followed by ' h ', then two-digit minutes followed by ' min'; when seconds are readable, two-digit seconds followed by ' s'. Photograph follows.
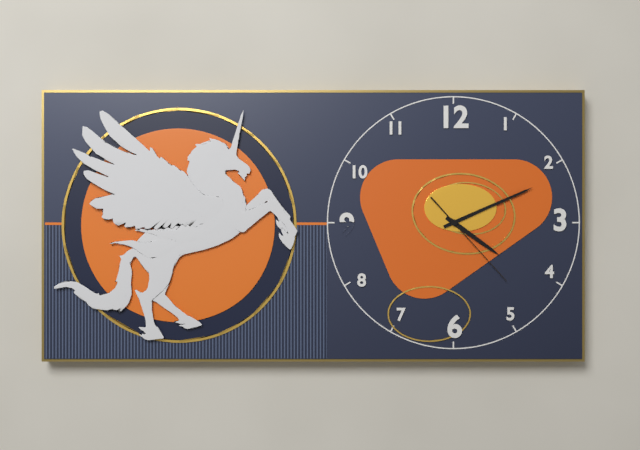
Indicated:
4 h 11 min 23 s
